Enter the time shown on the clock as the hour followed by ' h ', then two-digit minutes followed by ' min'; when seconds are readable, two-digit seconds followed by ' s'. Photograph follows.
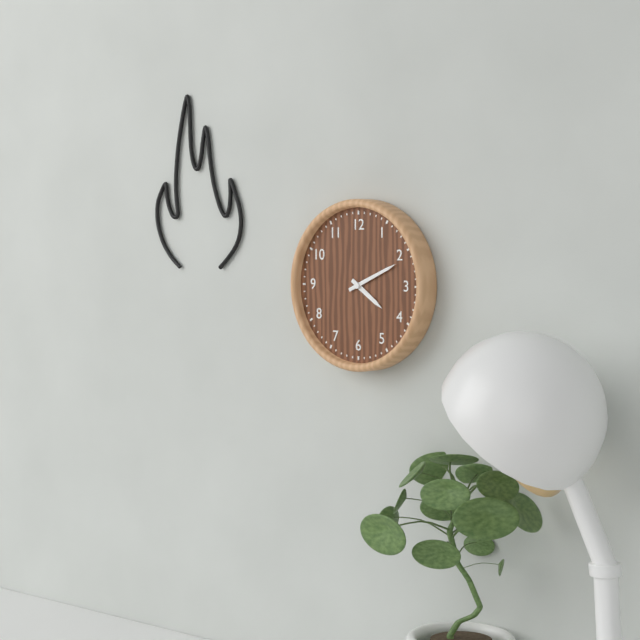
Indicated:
4 h 11 min
